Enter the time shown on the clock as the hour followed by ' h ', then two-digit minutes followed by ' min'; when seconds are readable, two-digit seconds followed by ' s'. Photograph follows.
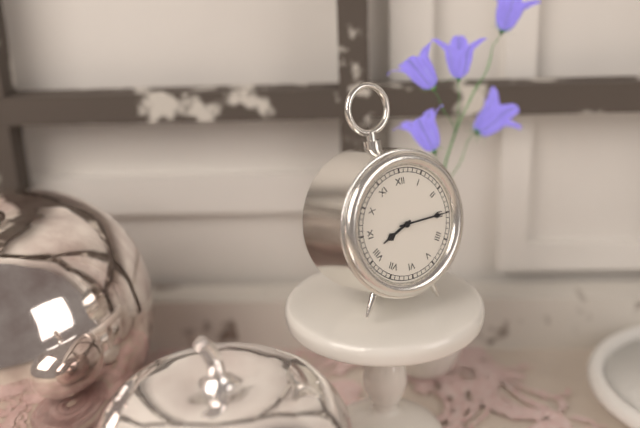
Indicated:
8 h 15 min
